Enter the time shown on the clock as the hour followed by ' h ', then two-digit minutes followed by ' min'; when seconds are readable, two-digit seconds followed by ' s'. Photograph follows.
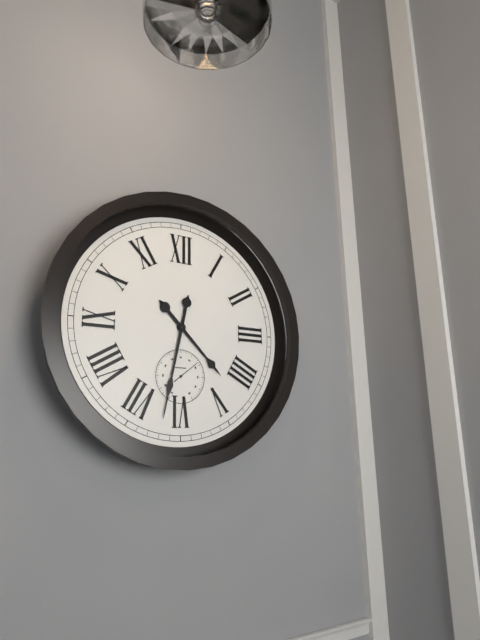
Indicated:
4 h 32 min
